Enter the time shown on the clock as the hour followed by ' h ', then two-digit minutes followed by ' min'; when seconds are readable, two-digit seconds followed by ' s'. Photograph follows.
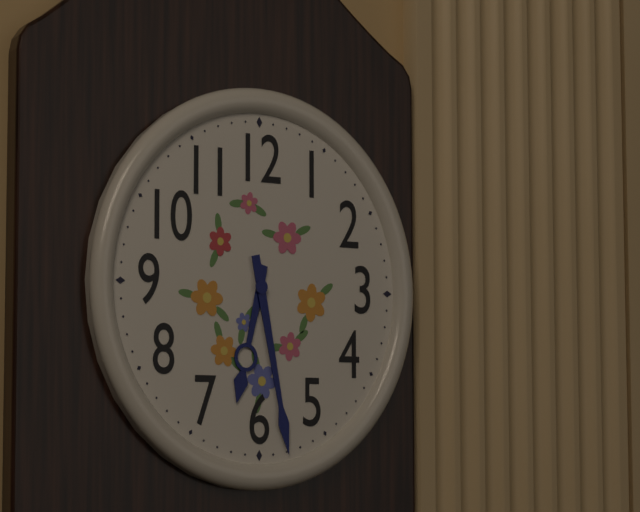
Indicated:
6 h 28 min
